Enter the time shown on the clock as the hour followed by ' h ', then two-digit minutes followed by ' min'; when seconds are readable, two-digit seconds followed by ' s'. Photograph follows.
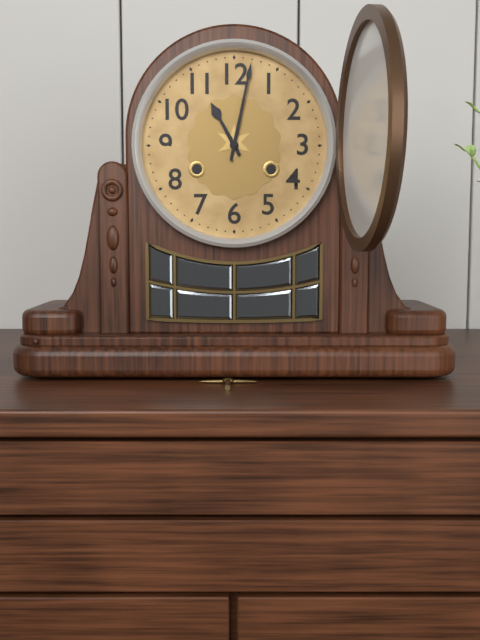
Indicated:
11 h 02 min
